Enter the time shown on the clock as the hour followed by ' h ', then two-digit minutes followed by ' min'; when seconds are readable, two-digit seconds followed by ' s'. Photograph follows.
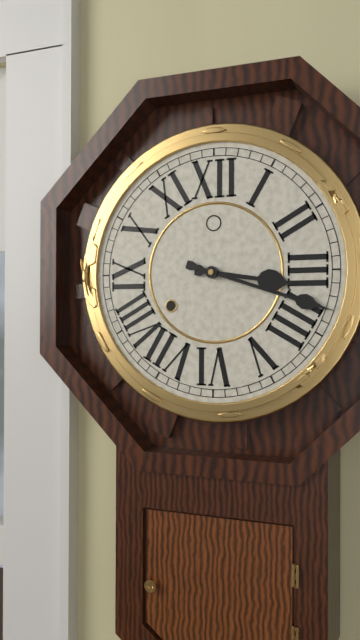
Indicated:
3 h 18 min
